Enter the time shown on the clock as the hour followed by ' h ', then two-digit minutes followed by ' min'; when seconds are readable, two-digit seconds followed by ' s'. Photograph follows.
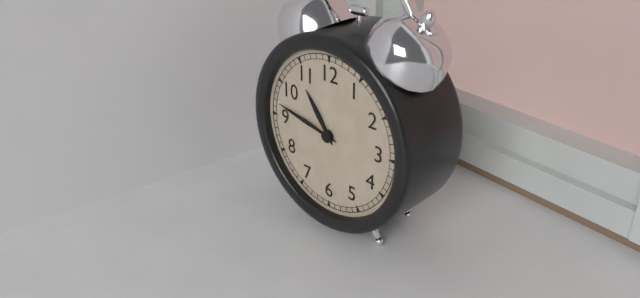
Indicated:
10 h 47 min
